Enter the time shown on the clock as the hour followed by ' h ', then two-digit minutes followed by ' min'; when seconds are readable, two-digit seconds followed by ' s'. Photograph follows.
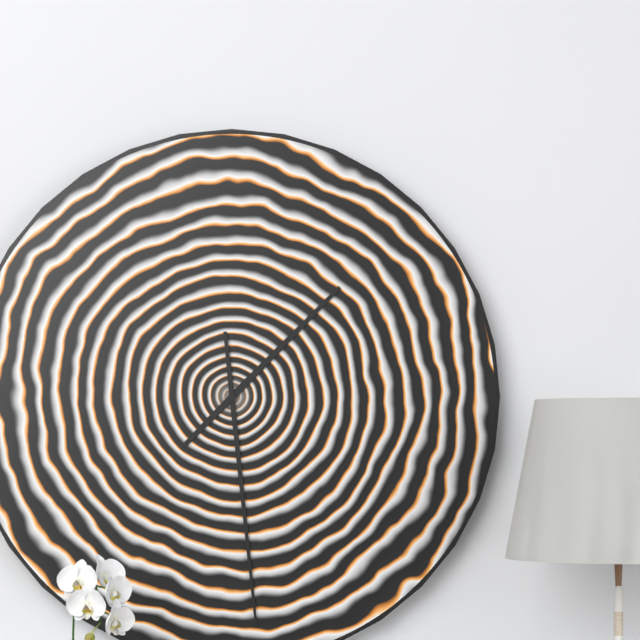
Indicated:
1 h 29 min
